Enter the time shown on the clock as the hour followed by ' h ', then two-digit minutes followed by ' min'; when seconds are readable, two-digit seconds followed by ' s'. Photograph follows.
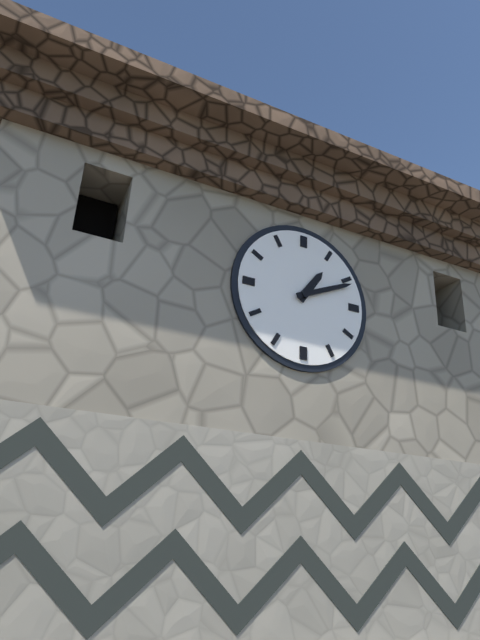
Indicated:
1 h 11 min
